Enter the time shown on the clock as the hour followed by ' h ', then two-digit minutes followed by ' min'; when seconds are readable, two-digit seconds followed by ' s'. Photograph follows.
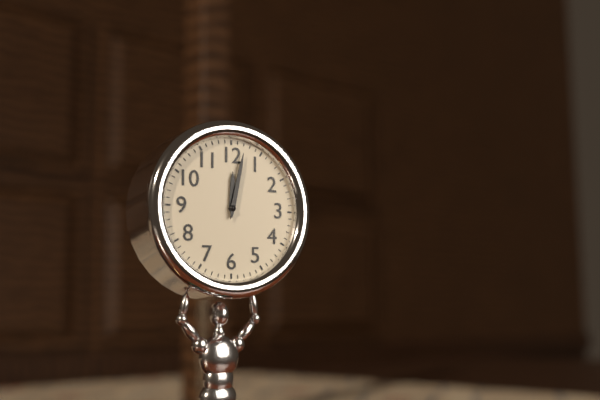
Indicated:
12 h 02 min
